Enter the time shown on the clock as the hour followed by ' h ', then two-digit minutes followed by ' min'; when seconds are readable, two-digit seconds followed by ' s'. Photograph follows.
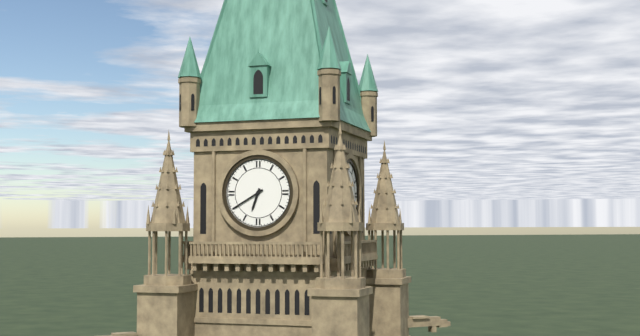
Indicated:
6 h 40 min
